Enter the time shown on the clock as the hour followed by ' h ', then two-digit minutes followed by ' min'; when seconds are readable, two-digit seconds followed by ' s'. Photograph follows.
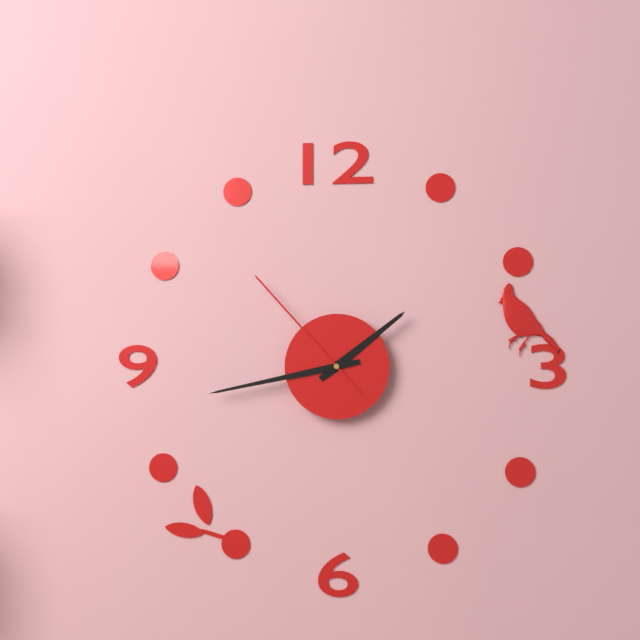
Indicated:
1 h 43 min 53 s
